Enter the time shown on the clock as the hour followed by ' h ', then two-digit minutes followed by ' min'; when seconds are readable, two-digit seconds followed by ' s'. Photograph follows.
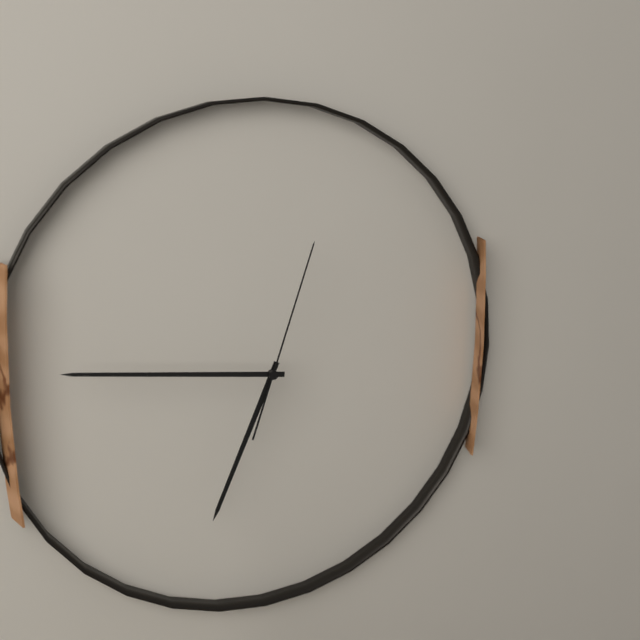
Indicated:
6 h 46 min 03 s
